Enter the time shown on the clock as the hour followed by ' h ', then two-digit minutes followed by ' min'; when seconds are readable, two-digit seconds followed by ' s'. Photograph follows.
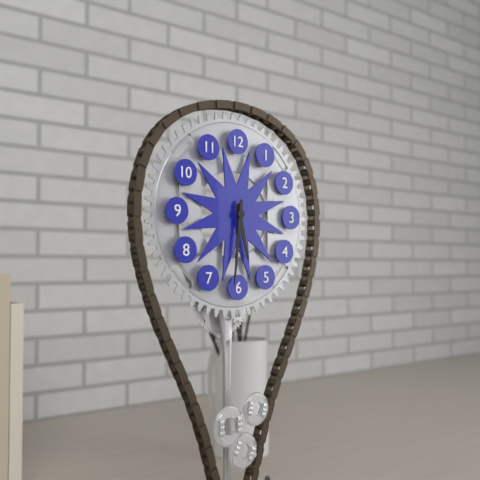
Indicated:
5 h 31 min
